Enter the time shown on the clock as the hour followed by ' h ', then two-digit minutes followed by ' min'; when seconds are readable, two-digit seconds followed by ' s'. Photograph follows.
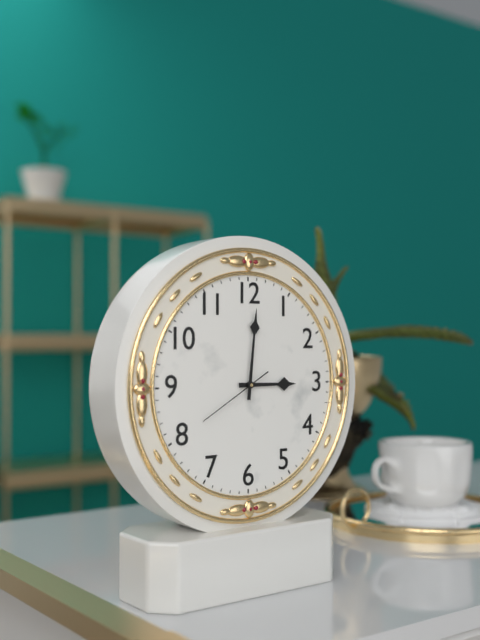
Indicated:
3 h 01 min 40 s
